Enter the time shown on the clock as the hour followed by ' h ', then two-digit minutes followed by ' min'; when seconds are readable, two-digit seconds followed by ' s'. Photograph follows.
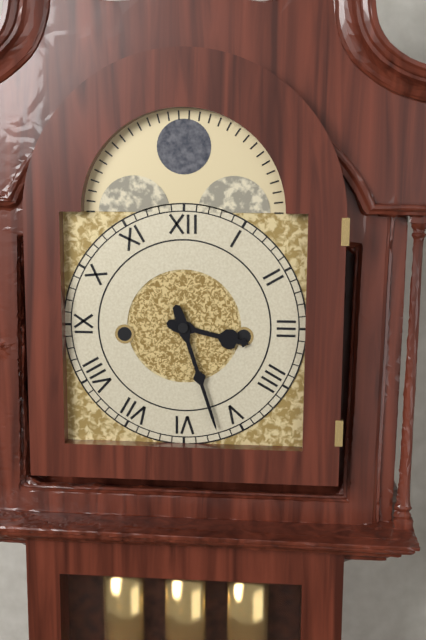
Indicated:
3 h 27 min
